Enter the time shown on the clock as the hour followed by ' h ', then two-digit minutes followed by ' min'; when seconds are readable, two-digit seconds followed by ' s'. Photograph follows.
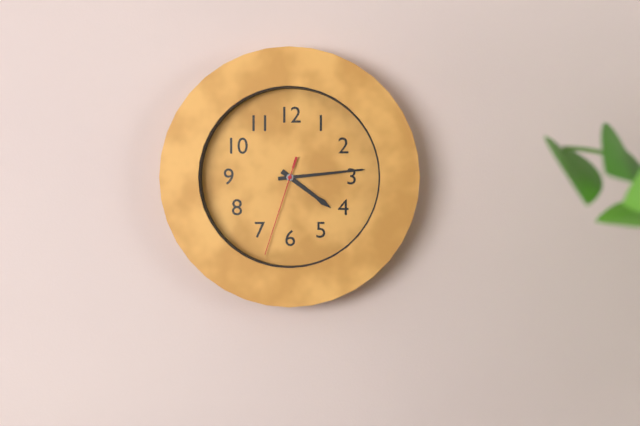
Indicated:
4 h 14 min 33 s
